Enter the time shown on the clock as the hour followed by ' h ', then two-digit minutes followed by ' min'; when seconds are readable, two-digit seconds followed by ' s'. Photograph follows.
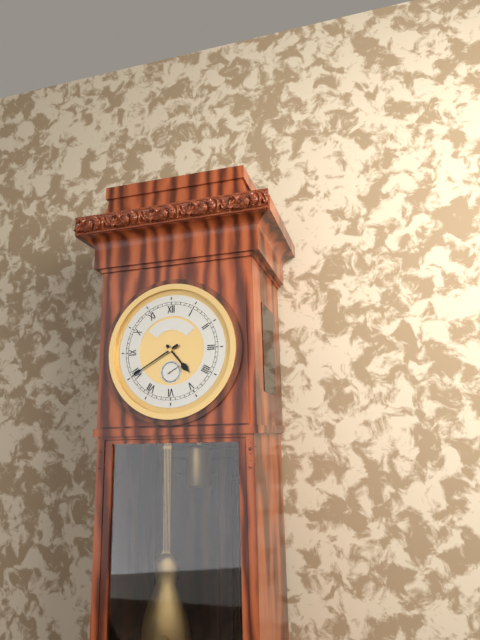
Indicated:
4 h 40 min
